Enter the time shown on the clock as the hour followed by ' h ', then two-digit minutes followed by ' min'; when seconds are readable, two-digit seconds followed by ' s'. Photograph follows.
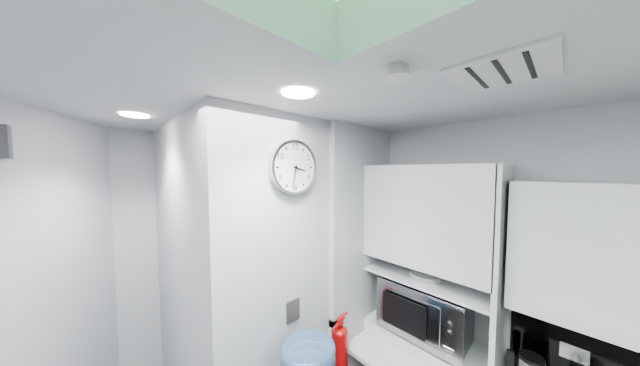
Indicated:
3 h 32 min
